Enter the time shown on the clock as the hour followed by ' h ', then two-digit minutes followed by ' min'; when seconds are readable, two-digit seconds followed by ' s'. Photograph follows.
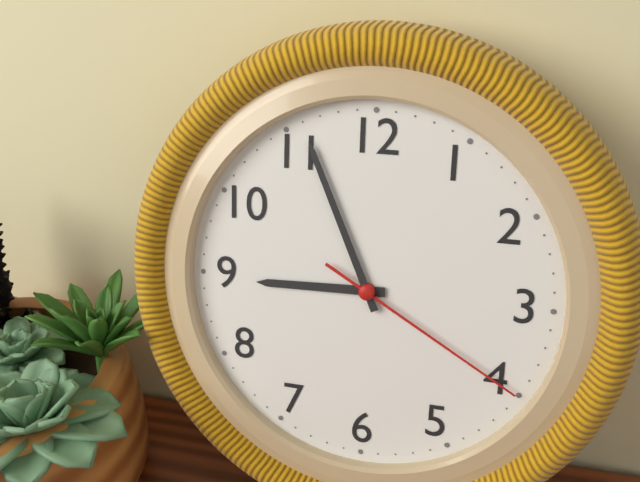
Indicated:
8 h 56 min 20 s
